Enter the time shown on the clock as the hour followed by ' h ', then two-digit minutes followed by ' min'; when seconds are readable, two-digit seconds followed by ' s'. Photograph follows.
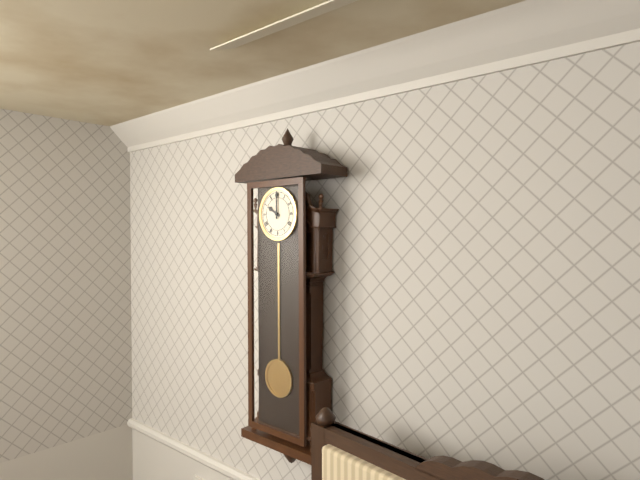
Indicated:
10 h 00 min
